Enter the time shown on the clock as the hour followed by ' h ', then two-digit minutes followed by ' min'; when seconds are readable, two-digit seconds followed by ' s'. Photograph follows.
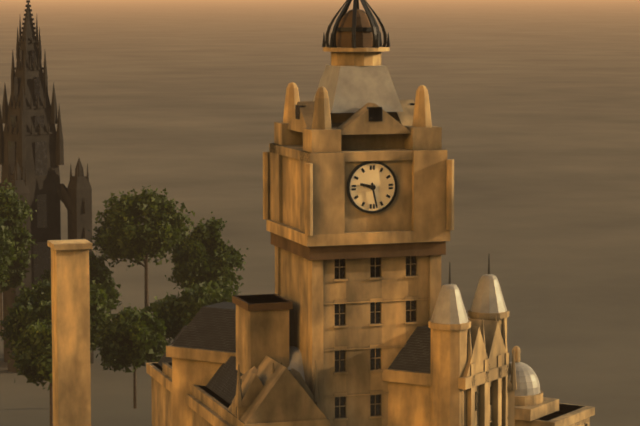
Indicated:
9 h 28 min
